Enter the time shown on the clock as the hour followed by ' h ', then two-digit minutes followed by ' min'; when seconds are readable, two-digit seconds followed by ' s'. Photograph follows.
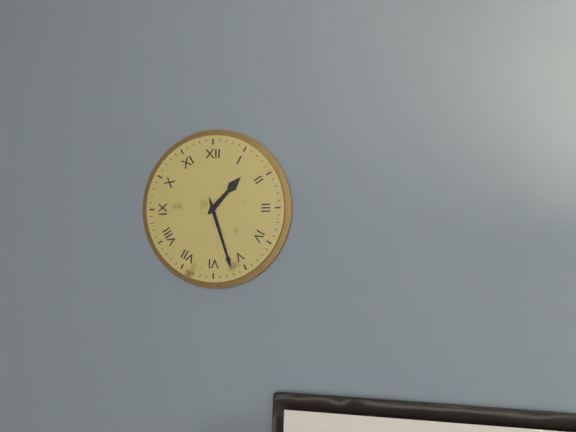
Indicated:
1 h 27 min
